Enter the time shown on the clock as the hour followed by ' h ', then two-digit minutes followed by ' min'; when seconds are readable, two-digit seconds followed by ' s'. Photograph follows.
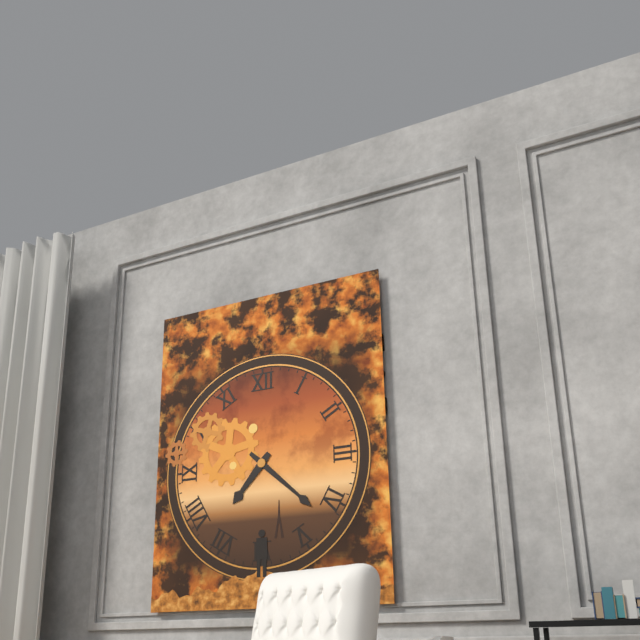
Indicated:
7 h 22 min
